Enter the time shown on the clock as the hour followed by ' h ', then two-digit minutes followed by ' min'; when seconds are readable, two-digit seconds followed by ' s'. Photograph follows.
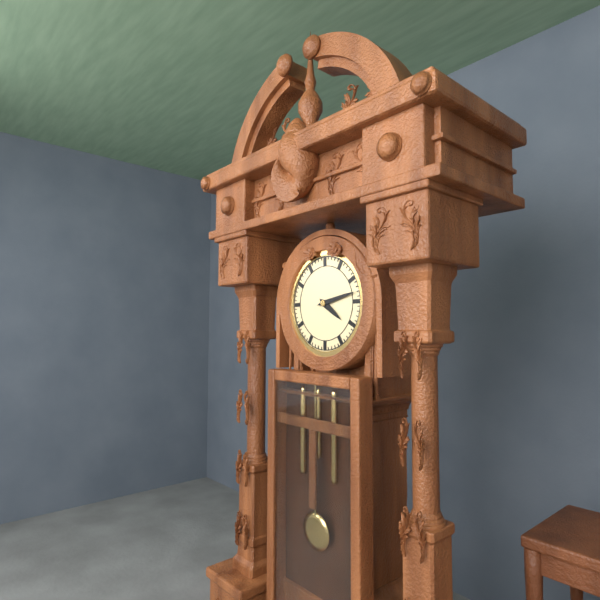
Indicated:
4 h 13 min
